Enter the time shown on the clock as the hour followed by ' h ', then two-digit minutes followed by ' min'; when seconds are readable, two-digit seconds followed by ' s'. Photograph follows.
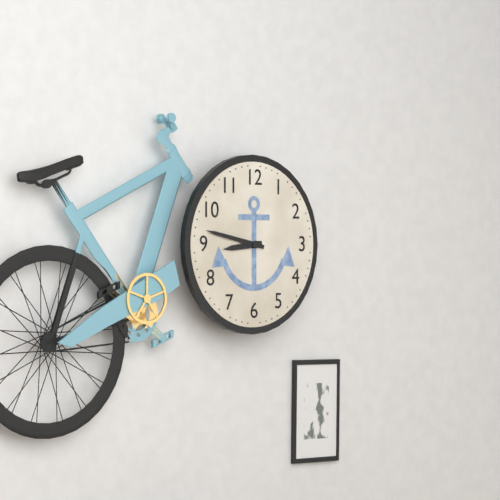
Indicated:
8 h 47 min
